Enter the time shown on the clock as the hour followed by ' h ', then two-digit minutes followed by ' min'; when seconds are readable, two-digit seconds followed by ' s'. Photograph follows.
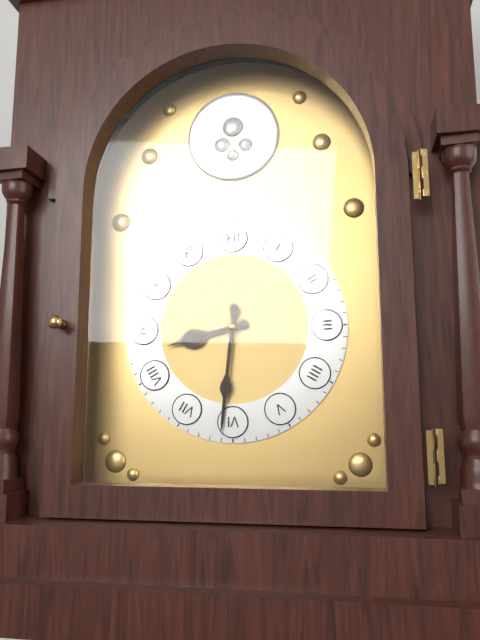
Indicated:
8 h 31 min
